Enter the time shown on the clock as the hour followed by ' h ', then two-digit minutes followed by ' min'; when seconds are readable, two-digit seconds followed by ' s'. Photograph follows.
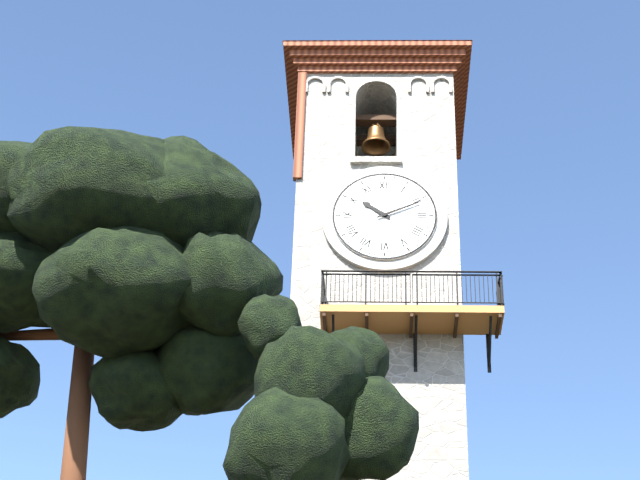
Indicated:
10 h 11 min
